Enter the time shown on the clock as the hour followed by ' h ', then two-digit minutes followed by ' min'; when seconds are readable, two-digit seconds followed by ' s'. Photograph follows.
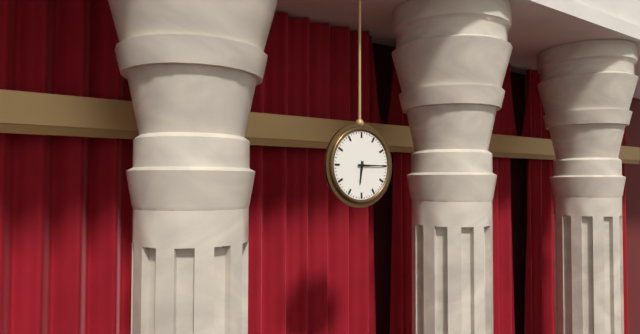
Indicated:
6 h 15 min
